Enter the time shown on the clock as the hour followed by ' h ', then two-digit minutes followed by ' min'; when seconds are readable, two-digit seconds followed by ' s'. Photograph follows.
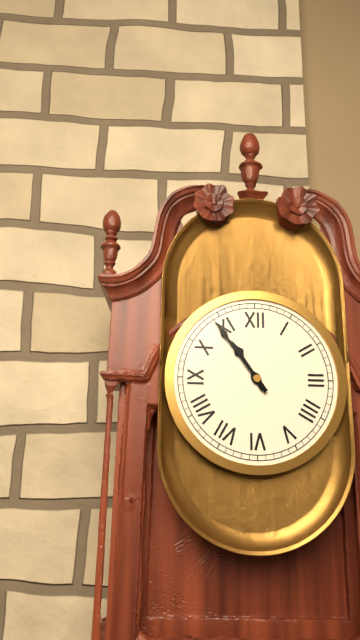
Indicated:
10 h 54 min
